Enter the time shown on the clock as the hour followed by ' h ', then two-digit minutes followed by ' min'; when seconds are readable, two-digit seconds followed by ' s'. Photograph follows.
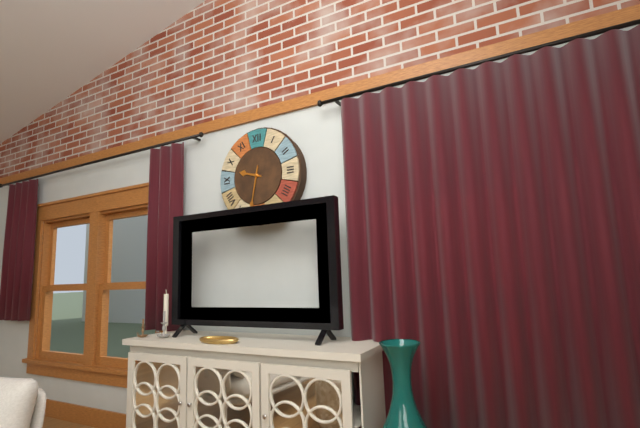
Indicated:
9 h 32 min
